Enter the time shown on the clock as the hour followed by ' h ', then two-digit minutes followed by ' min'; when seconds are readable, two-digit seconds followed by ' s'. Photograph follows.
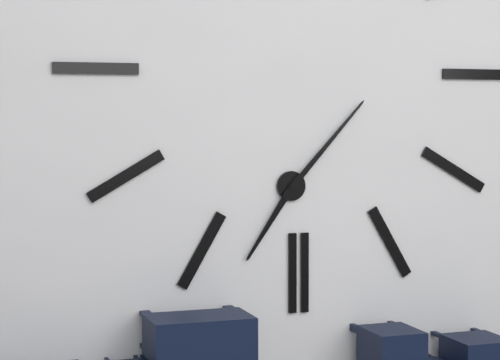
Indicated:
7 h 07 min
